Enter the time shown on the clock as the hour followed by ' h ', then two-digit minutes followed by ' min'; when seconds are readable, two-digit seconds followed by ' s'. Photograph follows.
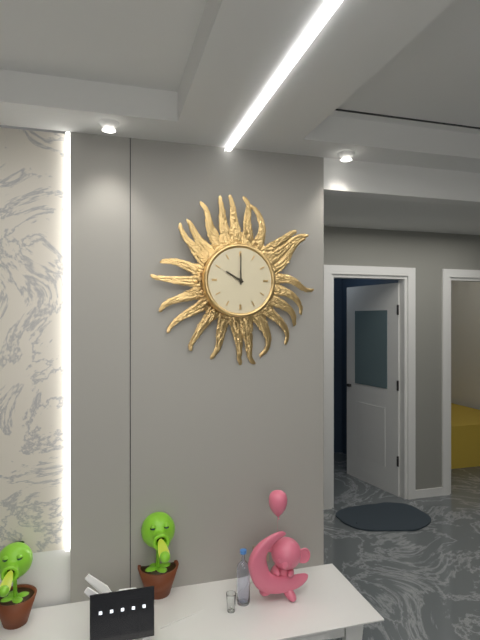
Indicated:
10 h 00 min
